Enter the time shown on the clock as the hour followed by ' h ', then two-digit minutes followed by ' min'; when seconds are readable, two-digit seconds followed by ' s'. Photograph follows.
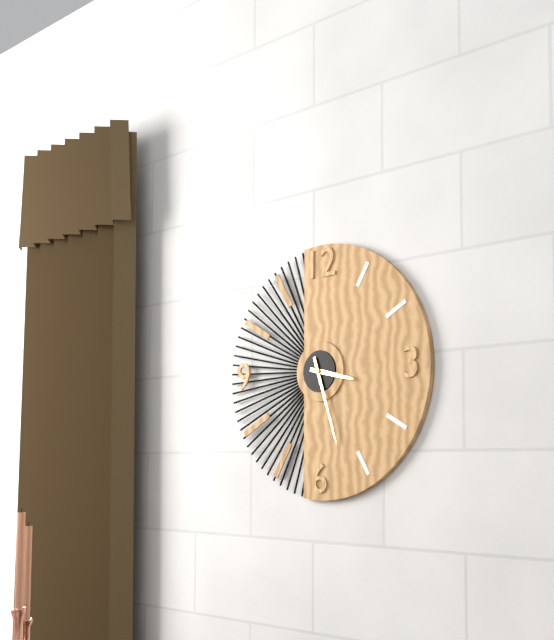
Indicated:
3 h 27 min
